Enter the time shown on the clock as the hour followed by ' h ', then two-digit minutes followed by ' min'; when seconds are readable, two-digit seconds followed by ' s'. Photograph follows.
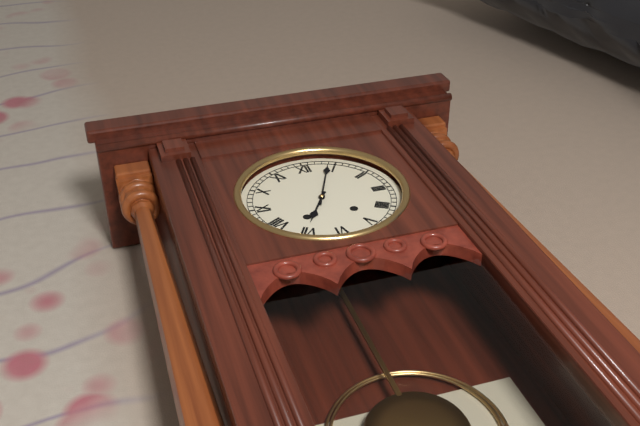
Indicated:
7 h 04 min
